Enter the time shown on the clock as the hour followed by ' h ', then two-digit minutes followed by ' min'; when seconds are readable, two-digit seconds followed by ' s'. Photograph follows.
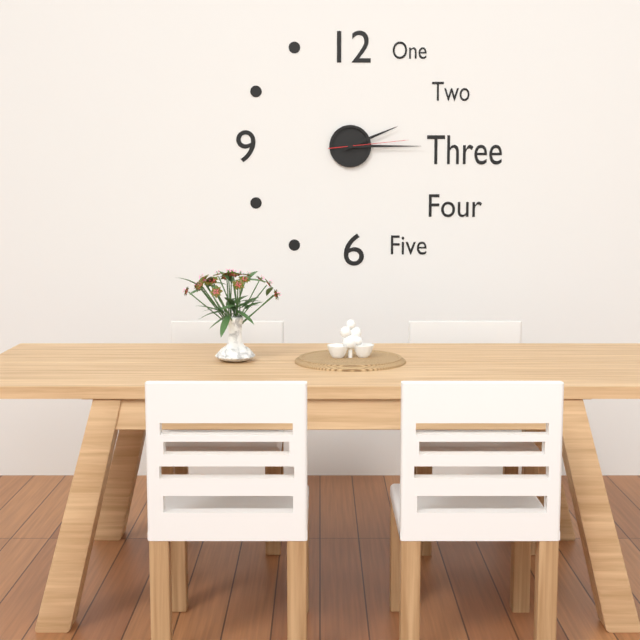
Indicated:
2 h 15 min 14 s
